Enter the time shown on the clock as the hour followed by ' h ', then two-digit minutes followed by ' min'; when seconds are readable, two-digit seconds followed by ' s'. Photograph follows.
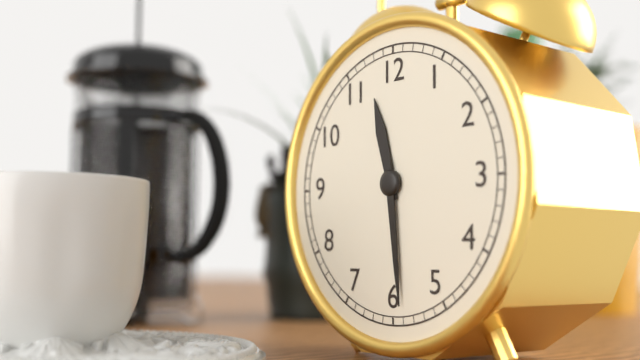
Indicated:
11 h 29 min
